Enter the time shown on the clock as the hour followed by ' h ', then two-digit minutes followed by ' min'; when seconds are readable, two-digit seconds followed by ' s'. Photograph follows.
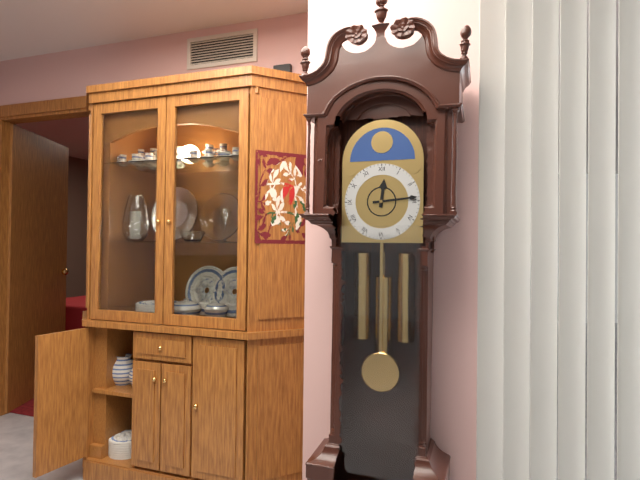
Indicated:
12 h 14 min
